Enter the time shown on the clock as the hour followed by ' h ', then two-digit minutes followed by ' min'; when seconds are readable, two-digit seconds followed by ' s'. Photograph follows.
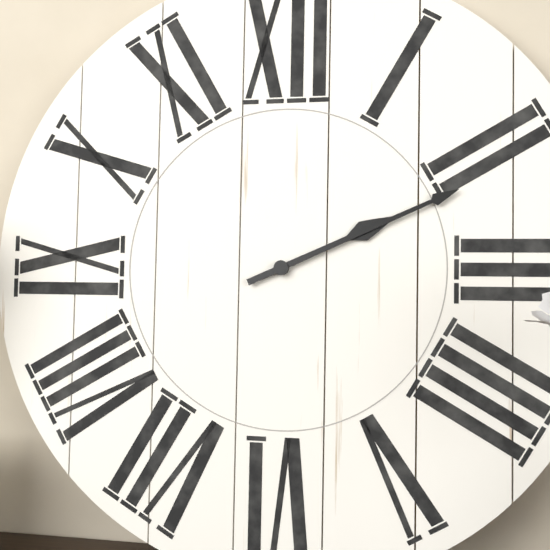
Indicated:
2 h 11 min
